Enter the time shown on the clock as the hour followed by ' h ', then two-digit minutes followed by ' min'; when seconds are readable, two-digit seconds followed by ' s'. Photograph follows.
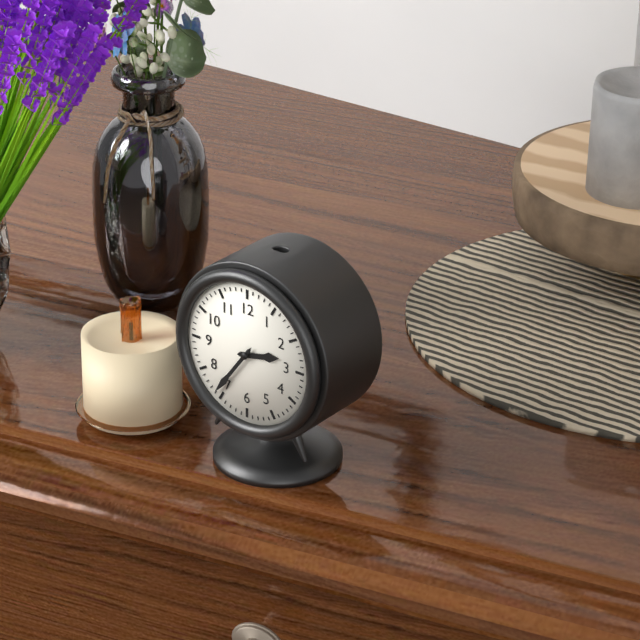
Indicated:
2 h 36 min
